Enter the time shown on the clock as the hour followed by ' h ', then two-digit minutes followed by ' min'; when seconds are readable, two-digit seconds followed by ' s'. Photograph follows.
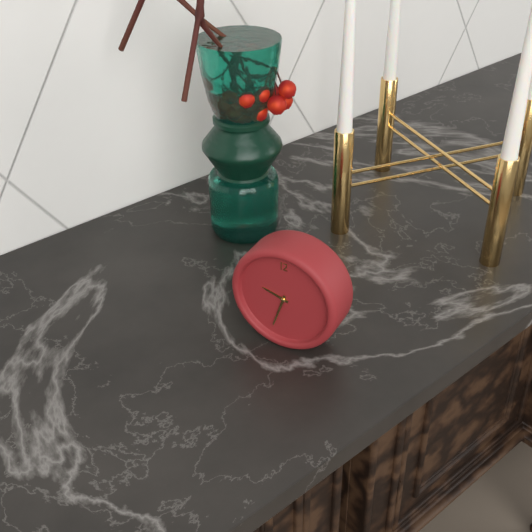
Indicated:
9 h 33 min
